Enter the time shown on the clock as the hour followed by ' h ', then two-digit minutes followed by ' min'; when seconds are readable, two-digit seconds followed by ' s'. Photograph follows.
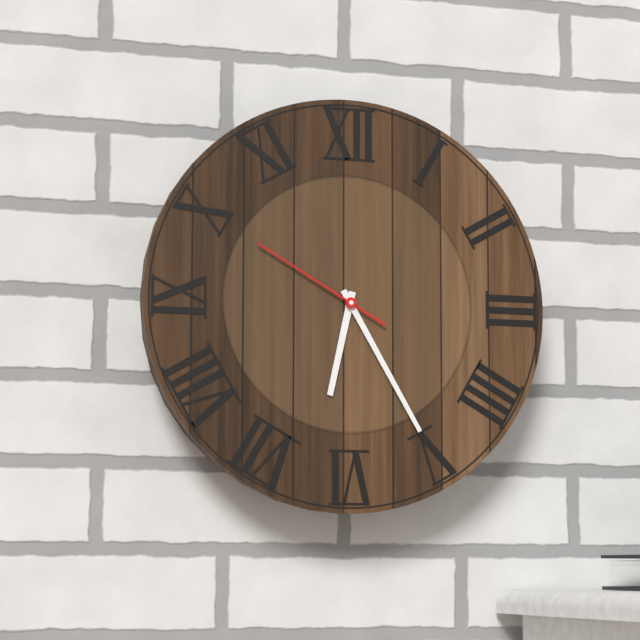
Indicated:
6 h 25 min 50 s
